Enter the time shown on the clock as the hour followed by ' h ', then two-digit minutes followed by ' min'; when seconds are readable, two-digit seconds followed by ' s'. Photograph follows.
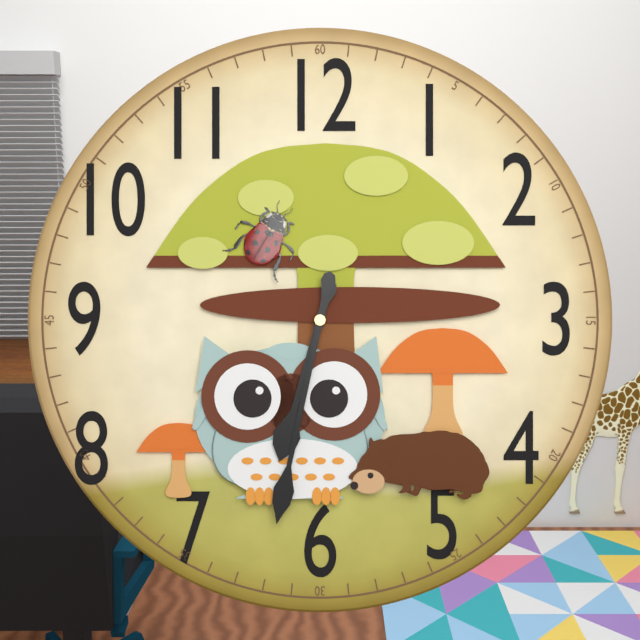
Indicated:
6 h 32 min
